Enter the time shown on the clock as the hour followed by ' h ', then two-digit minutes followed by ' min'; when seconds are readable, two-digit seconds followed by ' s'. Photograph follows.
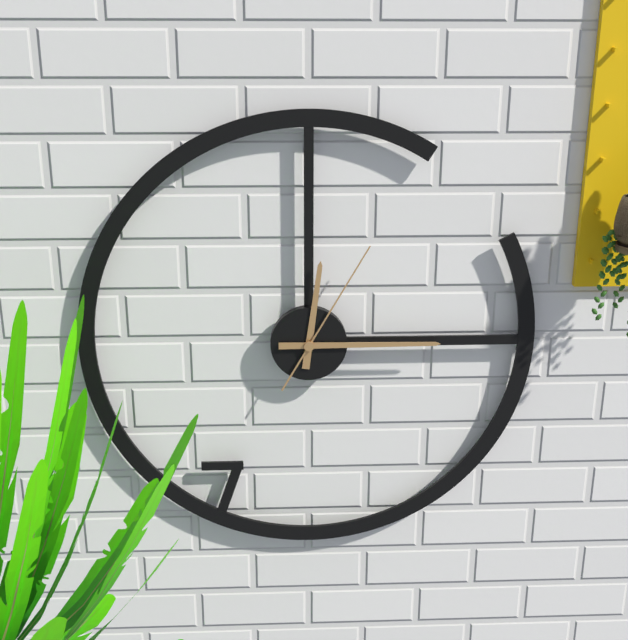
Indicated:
12 h 15 min 05 s
